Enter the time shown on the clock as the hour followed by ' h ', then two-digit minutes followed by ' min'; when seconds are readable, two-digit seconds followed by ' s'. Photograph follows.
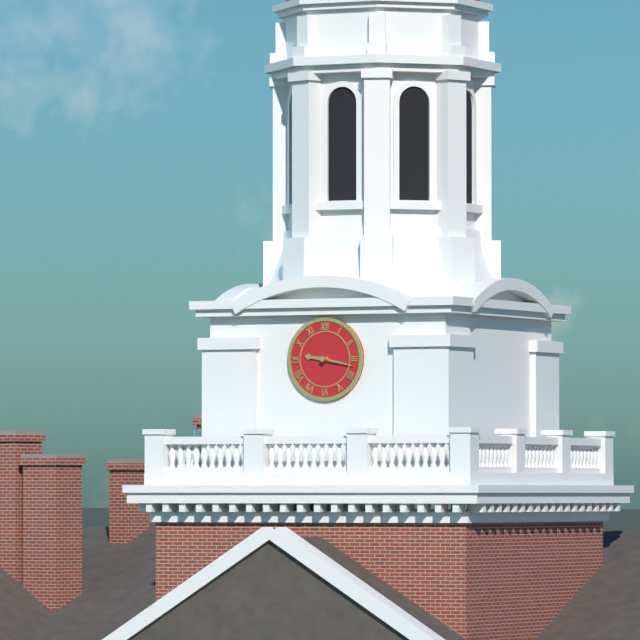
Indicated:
9 h 17 min
